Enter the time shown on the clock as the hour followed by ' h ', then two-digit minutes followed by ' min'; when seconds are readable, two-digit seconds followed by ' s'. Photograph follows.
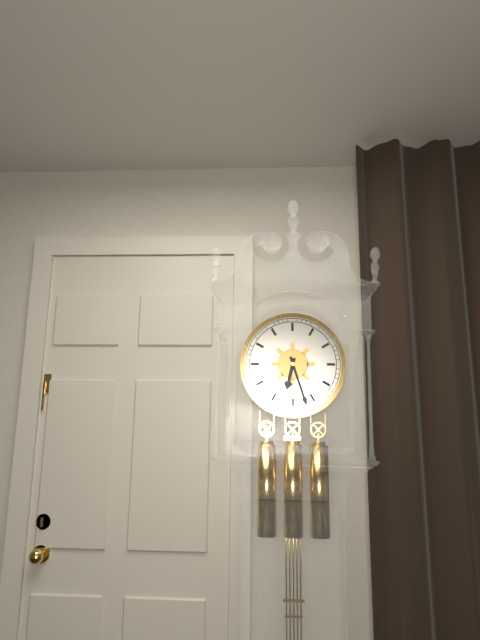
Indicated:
6 h 27 min
